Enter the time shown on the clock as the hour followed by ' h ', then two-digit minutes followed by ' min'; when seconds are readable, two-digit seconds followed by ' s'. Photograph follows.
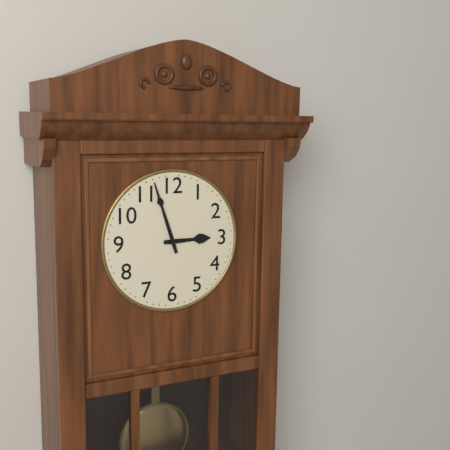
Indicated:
2 h 57 min
